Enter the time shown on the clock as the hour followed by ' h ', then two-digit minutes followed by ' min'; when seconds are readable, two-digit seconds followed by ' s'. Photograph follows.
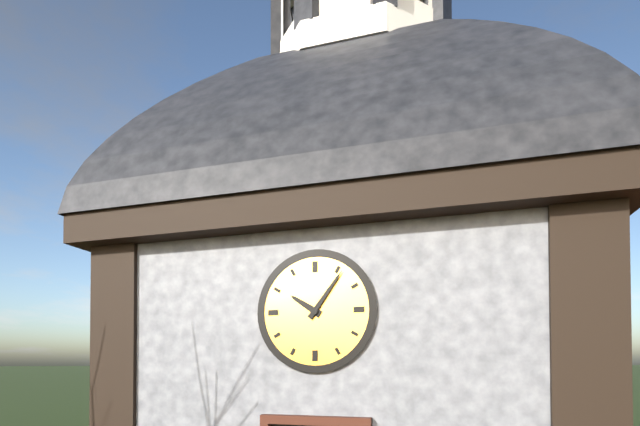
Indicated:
10 h 06 min
